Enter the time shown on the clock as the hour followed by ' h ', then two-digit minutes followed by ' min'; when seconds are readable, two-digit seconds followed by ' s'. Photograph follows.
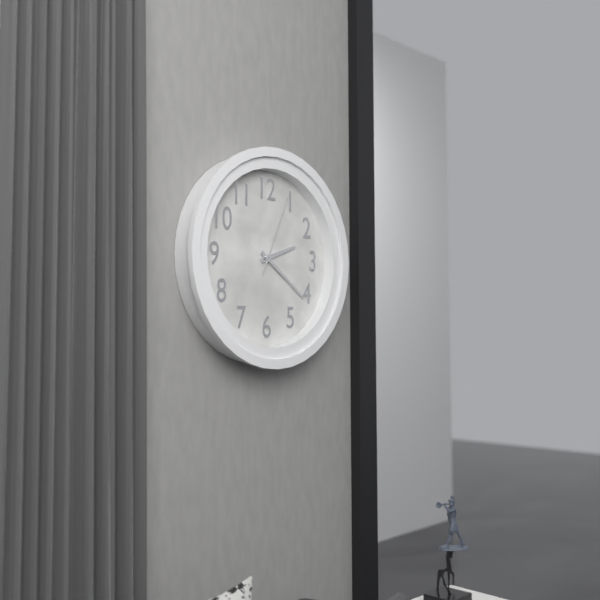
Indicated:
2 h 21 min 04 s
